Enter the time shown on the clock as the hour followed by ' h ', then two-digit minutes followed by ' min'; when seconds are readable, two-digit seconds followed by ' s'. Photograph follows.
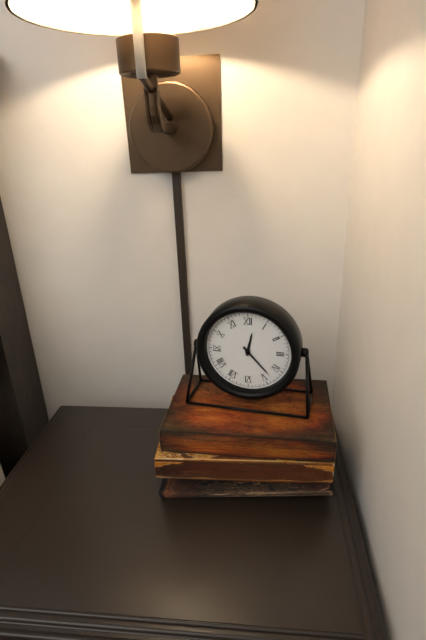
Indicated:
12 h 23 min
